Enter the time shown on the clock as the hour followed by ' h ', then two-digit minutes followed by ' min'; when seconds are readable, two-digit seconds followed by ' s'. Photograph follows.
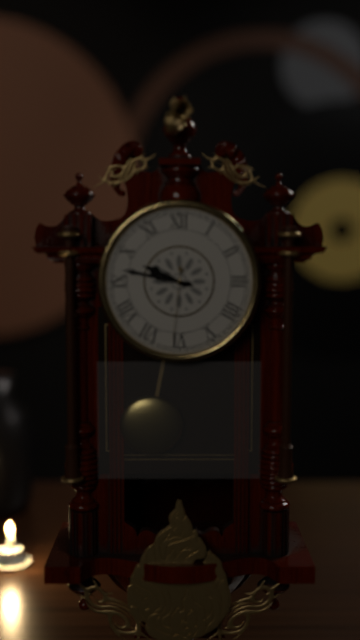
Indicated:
9 h 47 min 31 s
